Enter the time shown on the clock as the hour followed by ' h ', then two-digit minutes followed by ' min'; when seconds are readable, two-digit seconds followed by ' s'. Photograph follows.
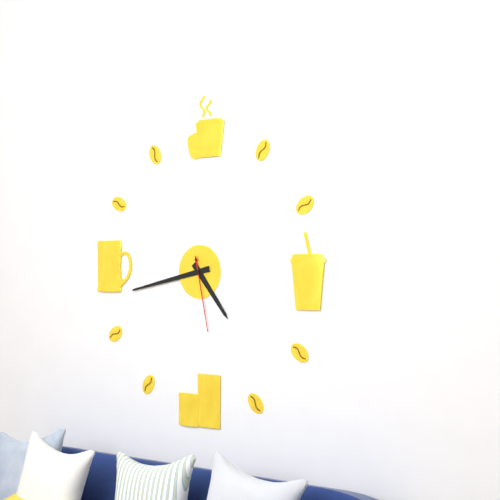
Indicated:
4 h 43 min 28 s
